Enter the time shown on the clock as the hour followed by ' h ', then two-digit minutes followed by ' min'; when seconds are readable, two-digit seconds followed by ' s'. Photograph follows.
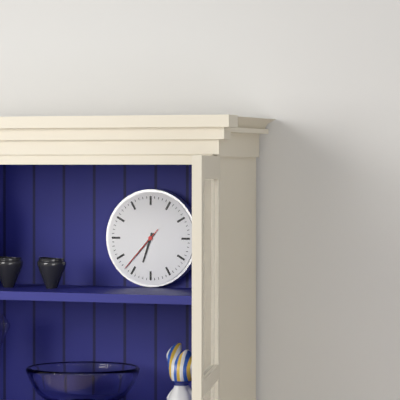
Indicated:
6 h 37 min
